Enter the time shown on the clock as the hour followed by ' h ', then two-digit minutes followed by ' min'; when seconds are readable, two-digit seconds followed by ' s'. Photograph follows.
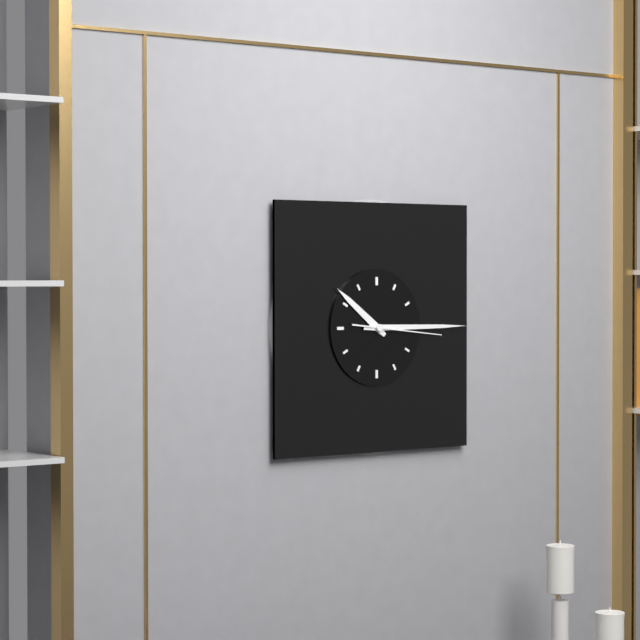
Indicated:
10 h 15 min 16 s
